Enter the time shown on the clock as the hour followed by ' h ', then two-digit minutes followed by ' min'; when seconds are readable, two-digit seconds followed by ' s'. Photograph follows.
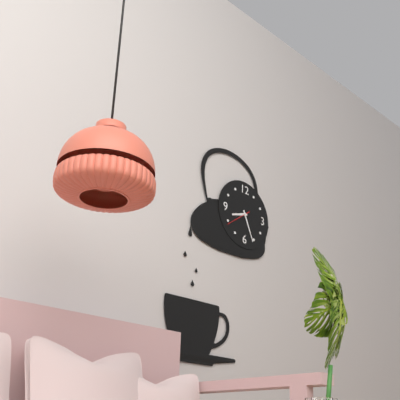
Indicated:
8 h 26 min
